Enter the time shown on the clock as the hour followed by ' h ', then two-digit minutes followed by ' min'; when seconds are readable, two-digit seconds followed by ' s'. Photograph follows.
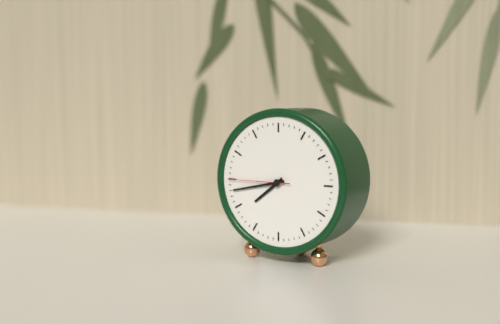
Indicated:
7 h 43 min 45 s
